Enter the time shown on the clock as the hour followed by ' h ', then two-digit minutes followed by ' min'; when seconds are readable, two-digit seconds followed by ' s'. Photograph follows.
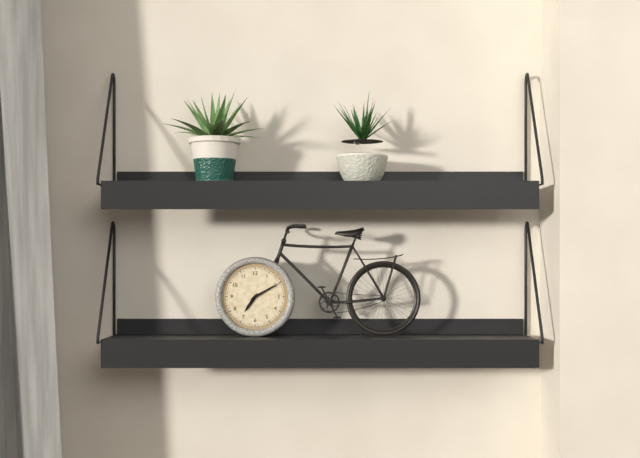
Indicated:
7 h 10 min
